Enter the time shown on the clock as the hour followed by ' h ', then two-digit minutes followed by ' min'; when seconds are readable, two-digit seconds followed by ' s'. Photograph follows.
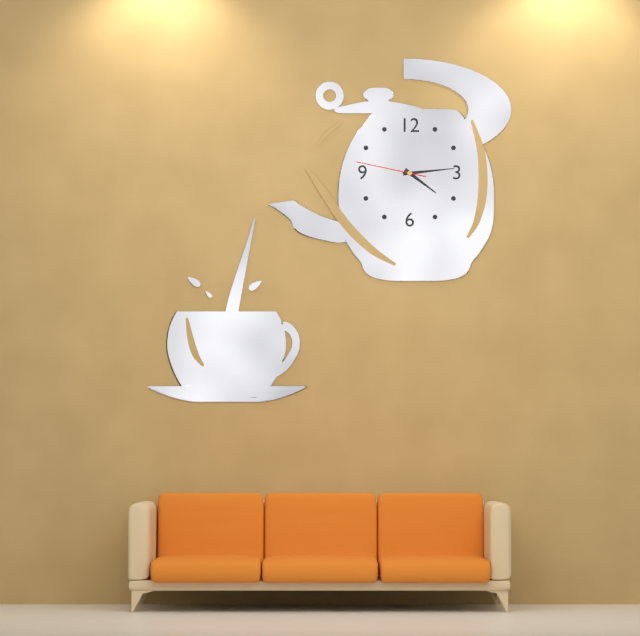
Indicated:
4 h 14 min 47 s
